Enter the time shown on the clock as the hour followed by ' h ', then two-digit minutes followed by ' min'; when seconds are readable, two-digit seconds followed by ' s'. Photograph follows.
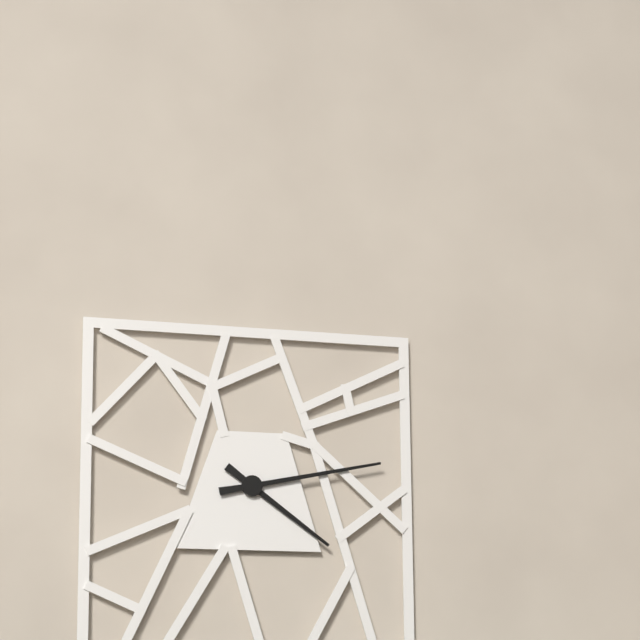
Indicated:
4 h 13 min
